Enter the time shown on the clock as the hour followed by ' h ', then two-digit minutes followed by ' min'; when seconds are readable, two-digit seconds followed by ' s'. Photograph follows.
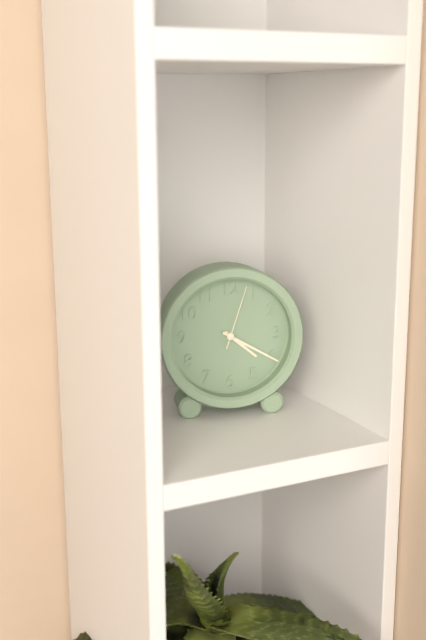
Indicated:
4 h 20 min 03 s
